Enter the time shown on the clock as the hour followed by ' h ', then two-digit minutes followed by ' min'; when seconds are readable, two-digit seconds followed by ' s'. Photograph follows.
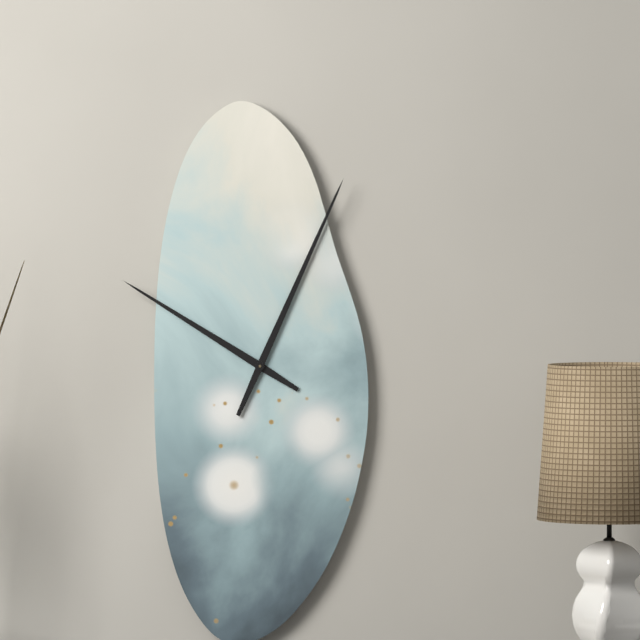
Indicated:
10 h 04 min
